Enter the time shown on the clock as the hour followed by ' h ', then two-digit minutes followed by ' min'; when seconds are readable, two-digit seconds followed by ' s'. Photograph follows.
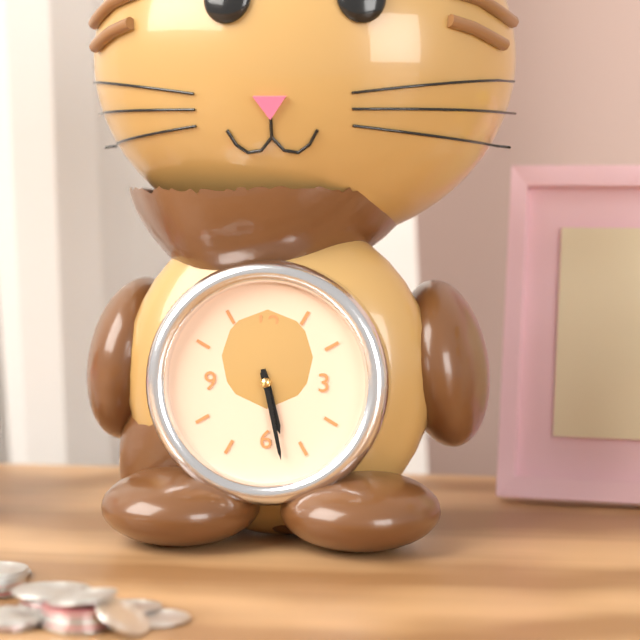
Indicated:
5 h 28 min
